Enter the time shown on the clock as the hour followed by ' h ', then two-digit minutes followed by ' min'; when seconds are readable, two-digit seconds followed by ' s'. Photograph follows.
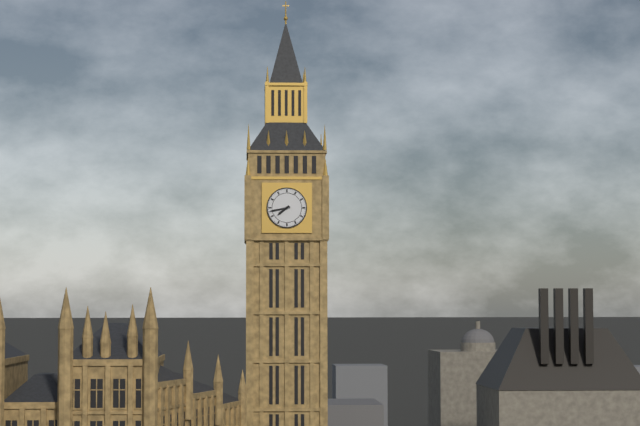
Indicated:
7 h 43 min
